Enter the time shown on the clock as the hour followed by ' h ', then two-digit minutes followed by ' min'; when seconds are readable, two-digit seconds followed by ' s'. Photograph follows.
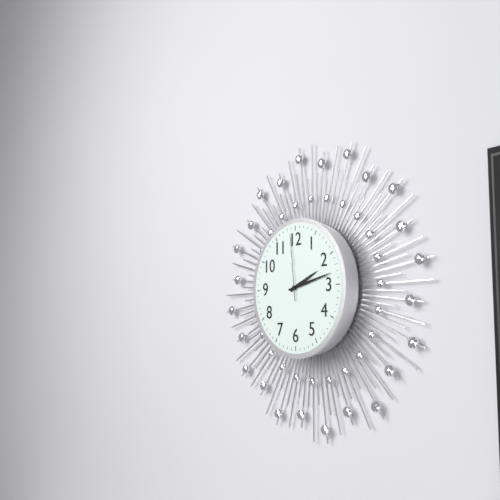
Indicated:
2 h 13 min 59 s
